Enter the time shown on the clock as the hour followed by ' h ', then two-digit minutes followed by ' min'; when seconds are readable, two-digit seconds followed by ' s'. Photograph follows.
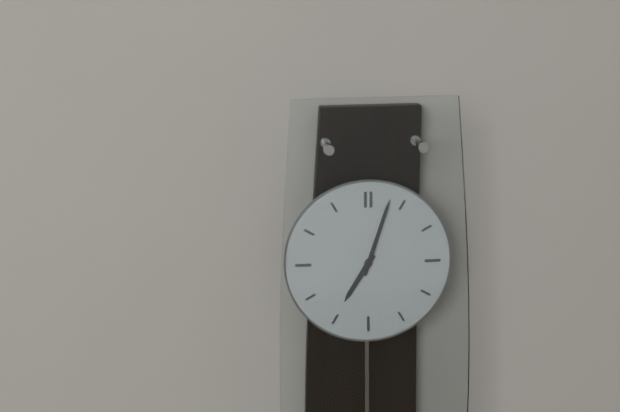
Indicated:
7 h 03 min
